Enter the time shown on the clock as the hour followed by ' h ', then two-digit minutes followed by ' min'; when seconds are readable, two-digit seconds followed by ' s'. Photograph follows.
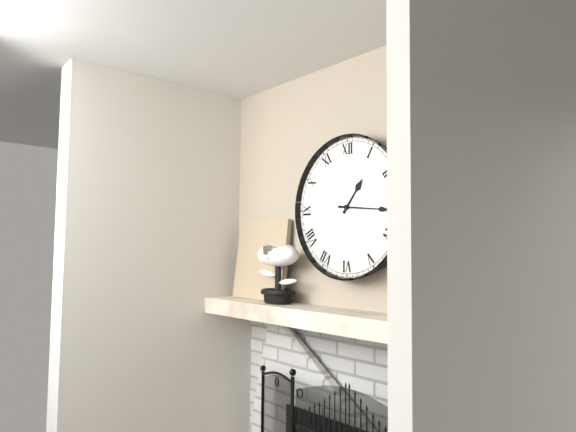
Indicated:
1 h 16 min
